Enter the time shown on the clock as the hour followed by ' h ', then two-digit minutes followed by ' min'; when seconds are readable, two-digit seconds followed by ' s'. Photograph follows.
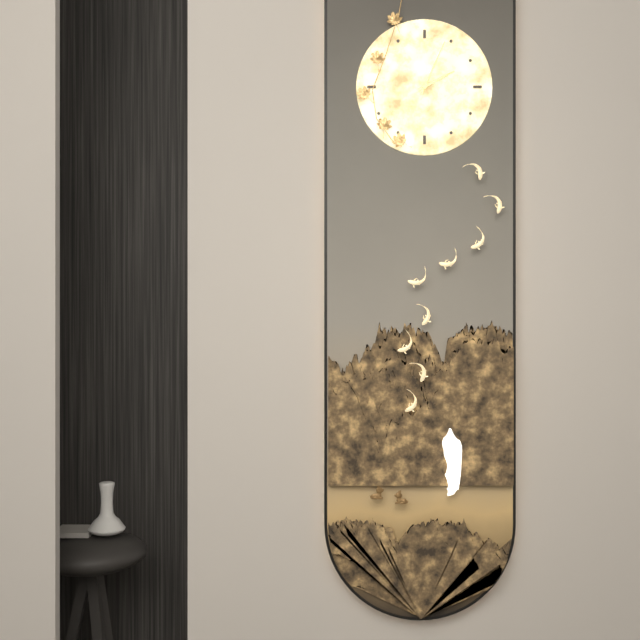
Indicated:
2 h 04 min
